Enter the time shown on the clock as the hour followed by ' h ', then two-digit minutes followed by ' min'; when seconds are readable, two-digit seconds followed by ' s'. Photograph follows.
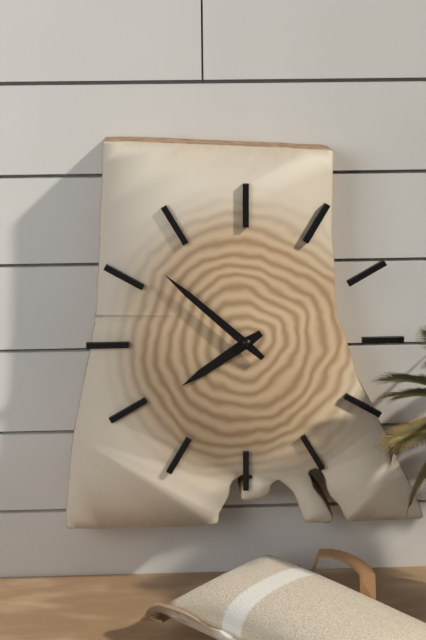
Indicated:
7 h 52 min
